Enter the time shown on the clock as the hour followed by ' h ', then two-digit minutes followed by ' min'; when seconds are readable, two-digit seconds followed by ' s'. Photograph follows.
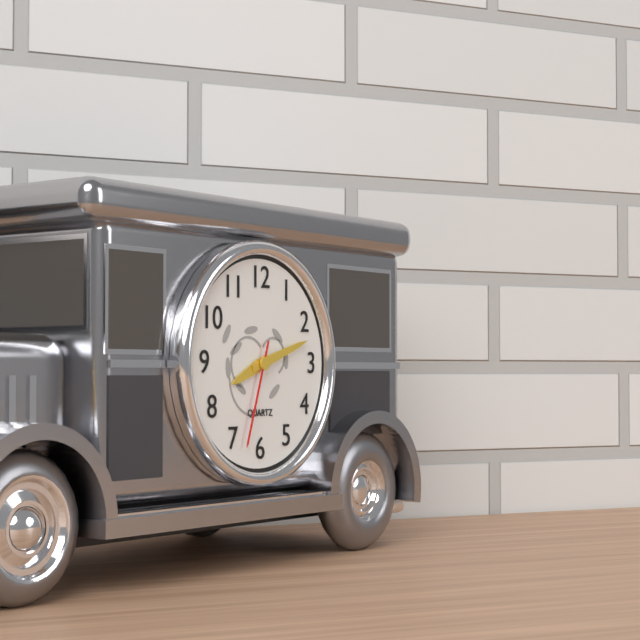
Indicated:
8 h 12 min 33 s
